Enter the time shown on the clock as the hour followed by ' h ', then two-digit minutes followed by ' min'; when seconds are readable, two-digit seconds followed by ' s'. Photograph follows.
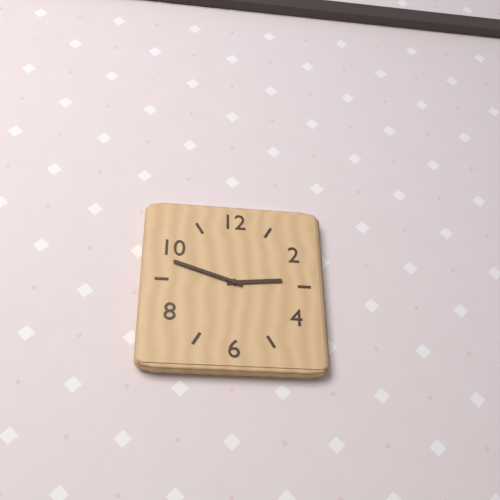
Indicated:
2 h 48 min
